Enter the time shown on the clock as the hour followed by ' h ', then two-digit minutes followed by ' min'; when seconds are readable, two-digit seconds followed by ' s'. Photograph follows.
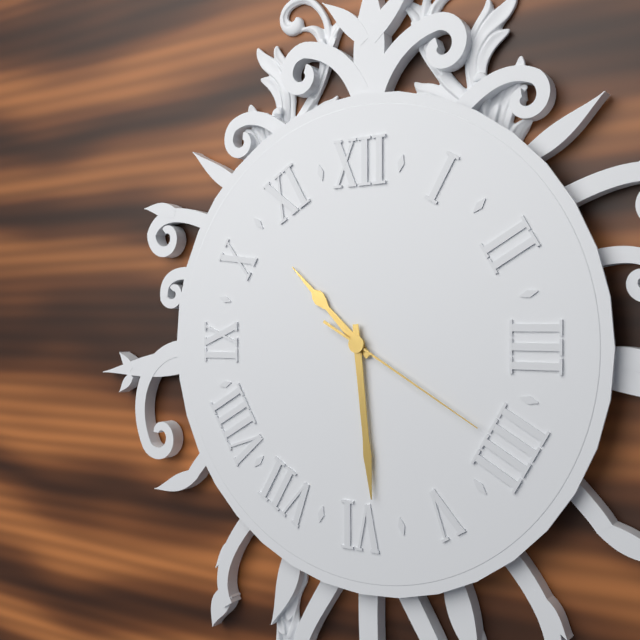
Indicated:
10 h 29 min 20 s
